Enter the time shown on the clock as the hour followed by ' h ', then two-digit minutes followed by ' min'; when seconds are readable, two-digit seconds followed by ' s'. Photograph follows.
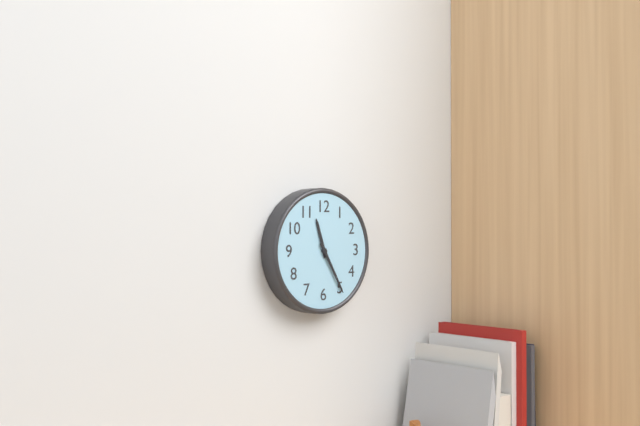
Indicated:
11 h 25 min
